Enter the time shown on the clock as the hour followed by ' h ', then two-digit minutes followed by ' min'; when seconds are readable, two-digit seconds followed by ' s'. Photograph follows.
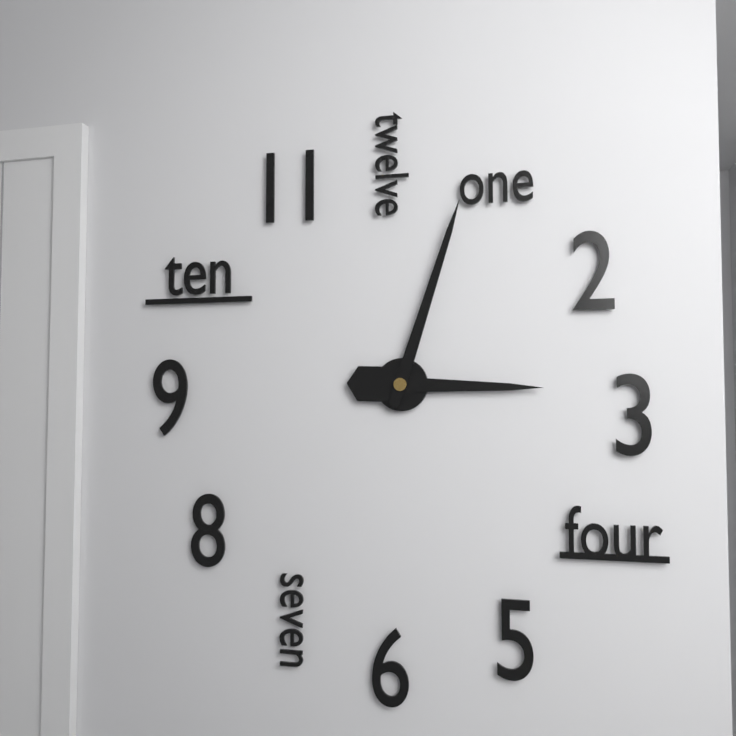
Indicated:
3 h 03 min
